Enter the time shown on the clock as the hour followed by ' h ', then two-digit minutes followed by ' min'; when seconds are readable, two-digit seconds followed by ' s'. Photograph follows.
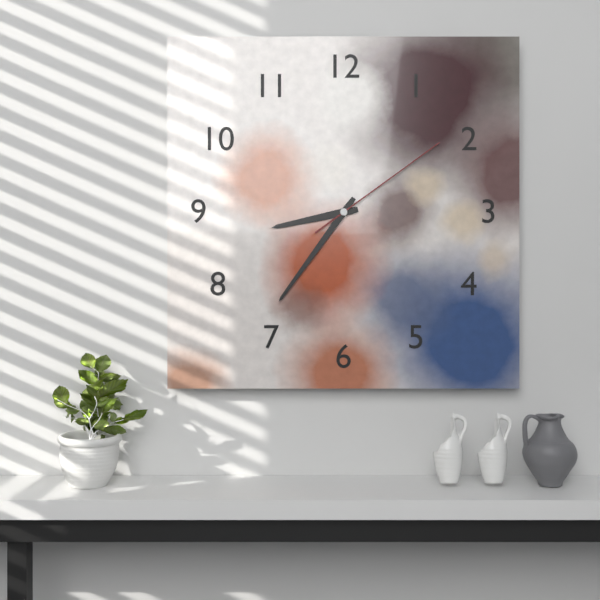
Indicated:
8 h 36 min 09 s
